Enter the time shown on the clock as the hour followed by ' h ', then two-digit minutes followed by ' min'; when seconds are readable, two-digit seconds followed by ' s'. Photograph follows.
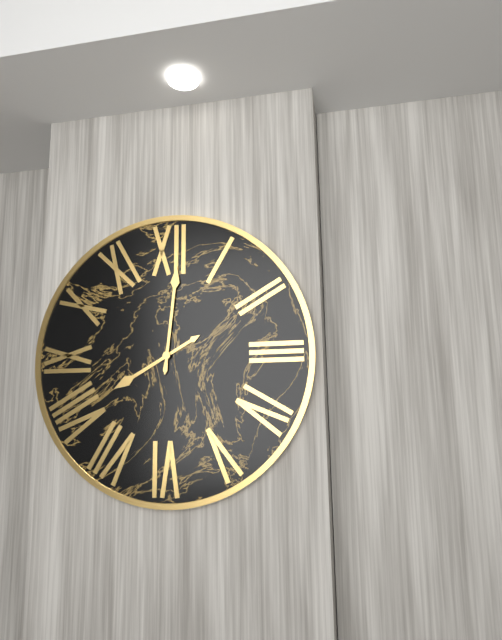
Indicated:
8 h 01 min
